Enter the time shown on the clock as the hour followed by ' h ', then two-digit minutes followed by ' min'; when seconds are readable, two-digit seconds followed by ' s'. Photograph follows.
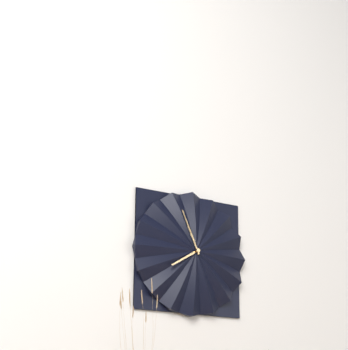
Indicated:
7 h 56 min
